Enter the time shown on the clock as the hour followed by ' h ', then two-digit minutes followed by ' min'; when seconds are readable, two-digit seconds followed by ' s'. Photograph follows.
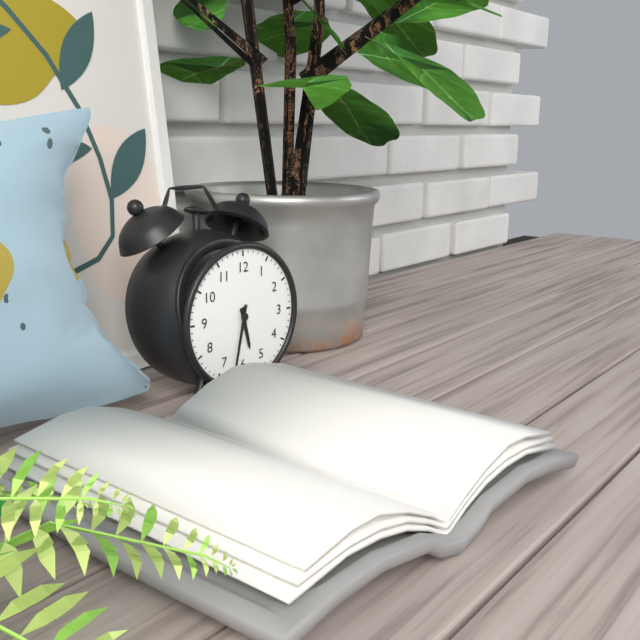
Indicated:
5 h 32 min
